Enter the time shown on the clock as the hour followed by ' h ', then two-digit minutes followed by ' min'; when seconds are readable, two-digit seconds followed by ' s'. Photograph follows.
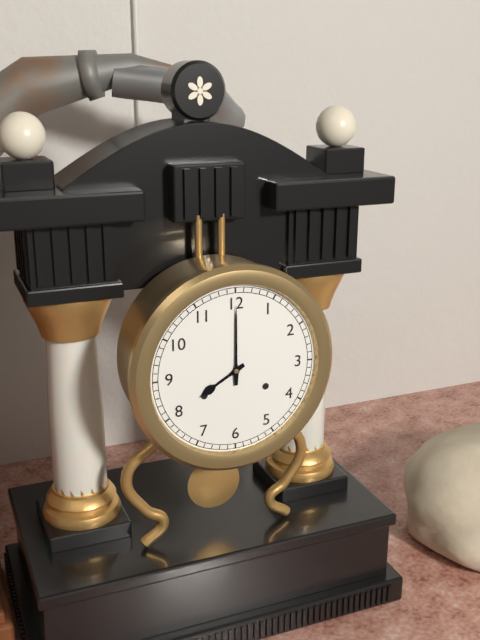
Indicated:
8 h 00 min
